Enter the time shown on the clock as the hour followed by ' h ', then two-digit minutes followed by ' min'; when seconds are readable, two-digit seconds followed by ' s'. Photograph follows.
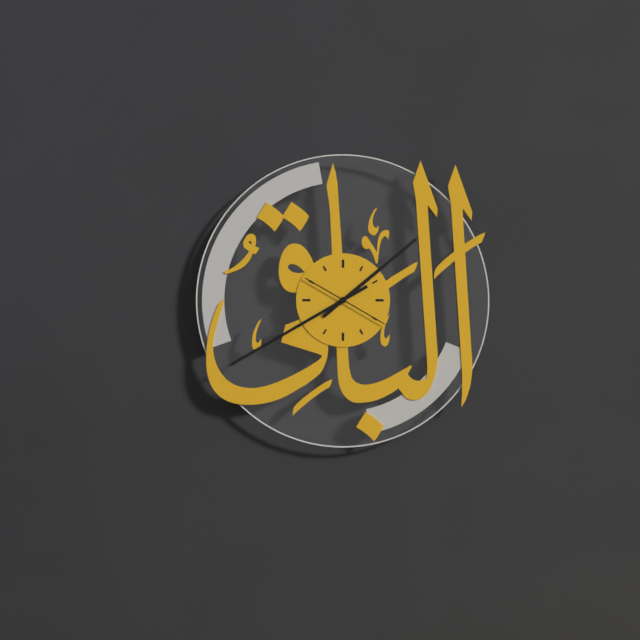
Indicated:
1 h 40 min 20 s
